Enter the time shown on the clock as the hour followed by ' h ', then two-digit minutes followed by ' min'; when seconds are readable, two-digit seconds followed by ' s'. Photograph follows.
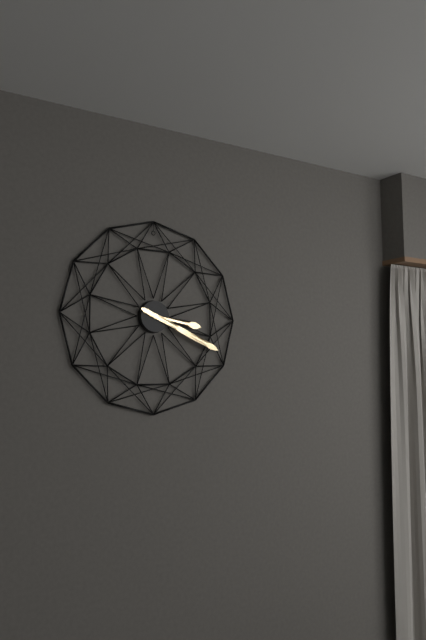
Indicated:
3 h 19 min
